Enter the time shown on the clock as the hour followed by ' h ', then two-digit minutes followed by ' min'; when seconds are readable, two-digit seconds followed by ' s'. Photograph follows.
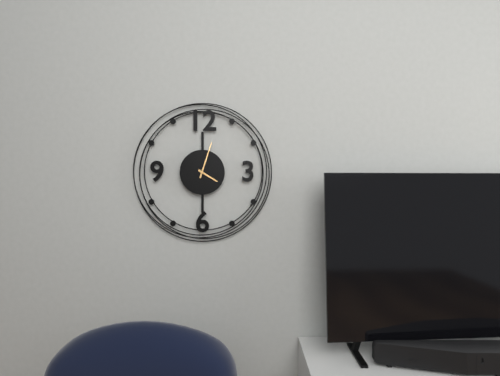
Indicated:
4 h 03 min
